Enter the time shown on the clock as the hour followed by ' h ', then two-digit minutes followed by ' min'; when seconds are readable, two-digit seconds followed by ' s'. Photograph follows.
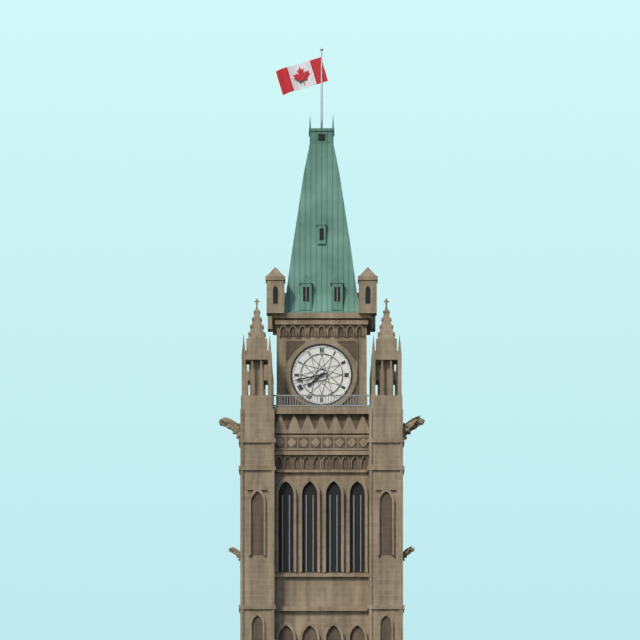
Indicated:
7 h 43 min
